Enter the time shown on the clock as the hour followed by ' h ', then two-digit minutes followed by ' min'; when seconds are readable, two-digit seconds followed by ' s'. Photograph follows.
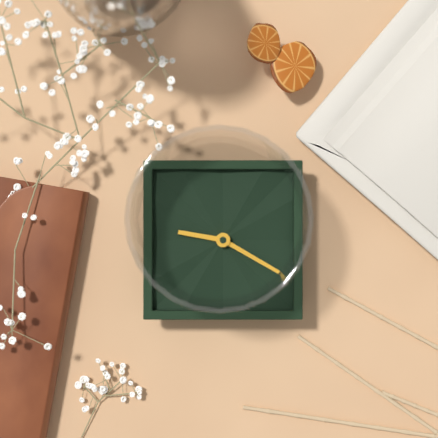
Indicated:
9 h 20 min
